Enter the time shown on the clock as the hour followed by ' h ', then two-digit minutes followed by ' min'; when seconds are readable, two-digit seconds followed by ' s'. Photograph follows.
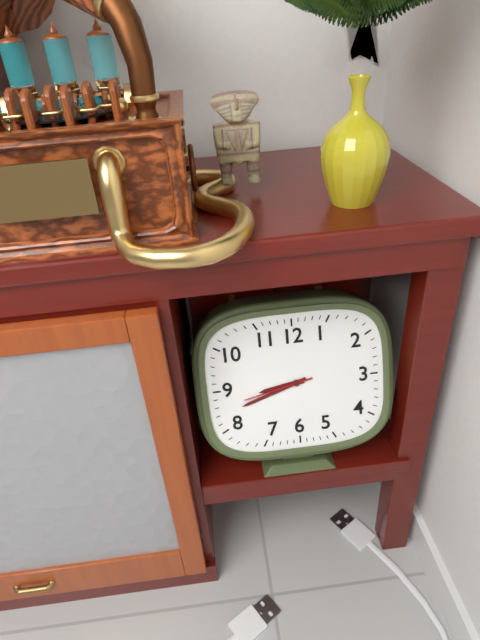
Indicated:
8 h 42 min 43 s
